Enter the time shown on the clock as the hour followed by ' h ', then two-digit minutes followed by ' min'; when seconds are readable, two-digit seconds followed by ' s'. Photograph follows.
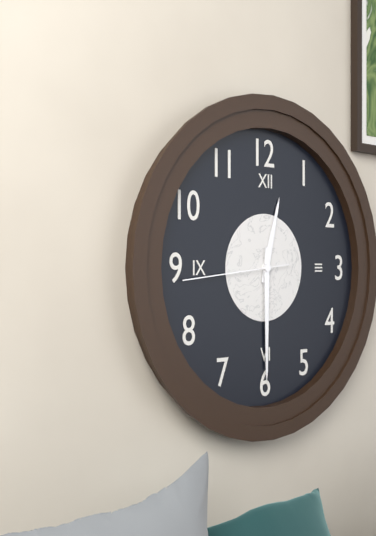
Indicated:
12 h 30 min 44 s
